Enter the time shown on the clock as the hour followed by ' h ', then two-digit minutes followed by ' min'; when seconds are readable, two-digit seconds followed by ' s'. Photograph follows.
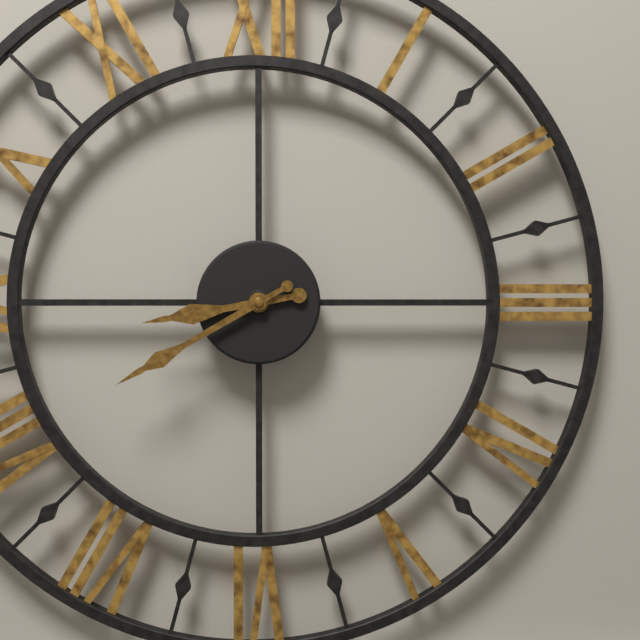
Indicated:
8 h 40 min
